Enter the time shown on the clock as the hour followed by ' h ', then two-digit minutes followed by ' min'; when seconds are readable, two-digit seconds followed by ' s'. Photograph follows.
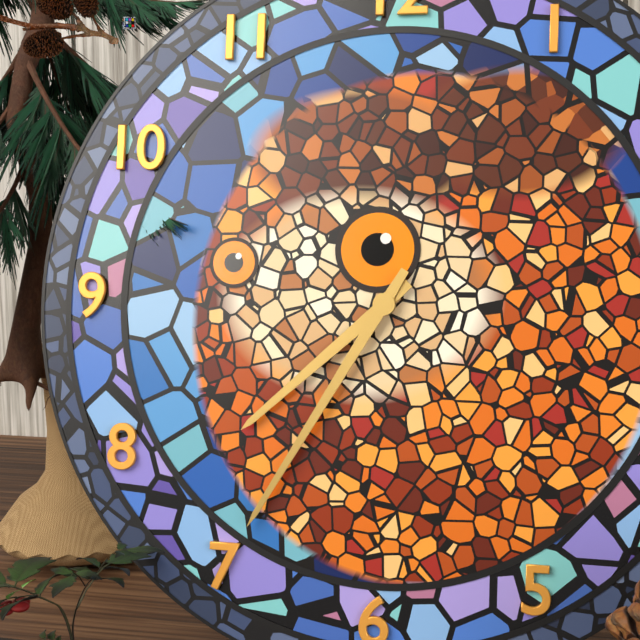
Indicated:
7 h 35 min
